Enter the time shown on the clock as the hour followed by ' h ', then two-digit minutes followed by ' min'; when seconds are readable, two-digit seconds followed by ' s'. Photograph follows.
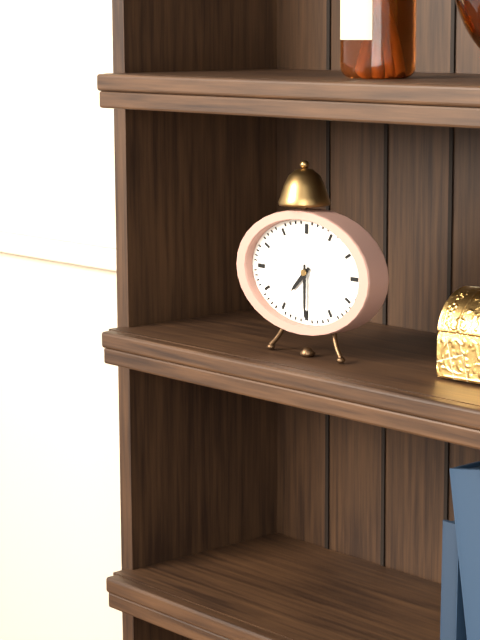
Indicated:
7 h 30 min
